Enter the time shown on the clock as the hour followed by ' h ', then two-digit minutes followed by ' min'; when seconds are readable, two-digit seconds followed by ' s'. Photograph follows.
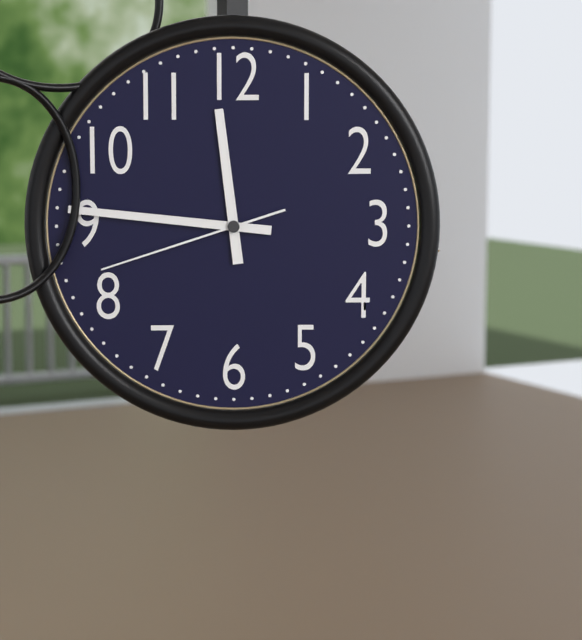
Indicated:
11 h 46 min 42 s
